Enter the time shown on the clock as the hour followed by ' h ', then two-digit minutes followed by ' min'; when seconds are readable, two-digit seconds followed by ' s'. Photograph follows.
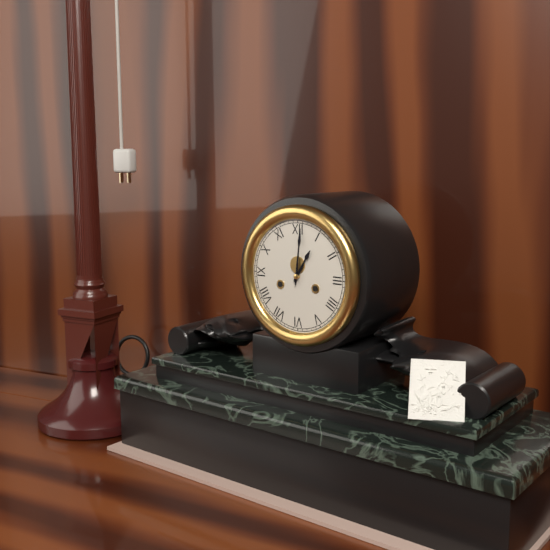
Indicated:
1 h 01 min
